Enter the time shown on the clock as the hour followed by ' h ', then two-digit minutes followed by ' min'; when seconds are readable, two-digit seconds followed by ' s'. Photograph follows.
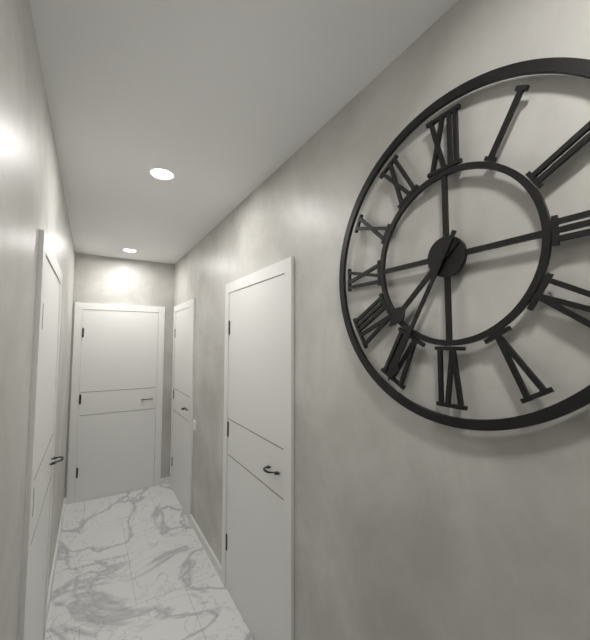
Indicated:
7 h 35 min
